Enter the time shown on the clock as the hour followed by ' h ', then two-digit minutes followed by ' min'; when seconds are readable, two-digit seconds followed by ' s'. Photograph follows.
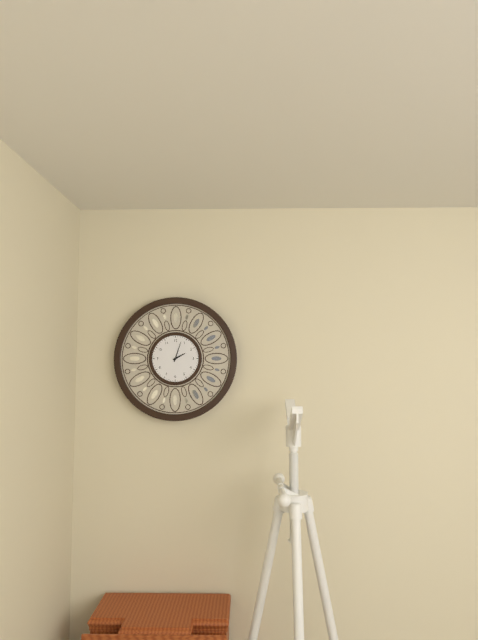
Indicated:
2 h 03 min
